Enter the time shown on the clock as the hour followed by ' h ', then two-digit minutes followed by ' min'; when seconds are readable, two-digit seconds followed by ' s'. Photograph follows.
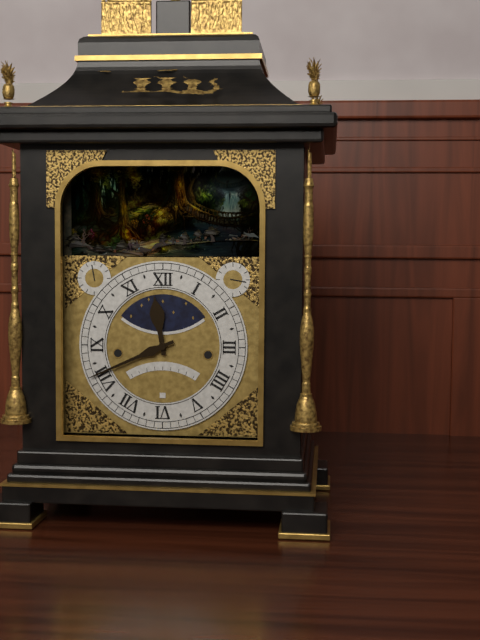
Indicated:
11 h 41 min
